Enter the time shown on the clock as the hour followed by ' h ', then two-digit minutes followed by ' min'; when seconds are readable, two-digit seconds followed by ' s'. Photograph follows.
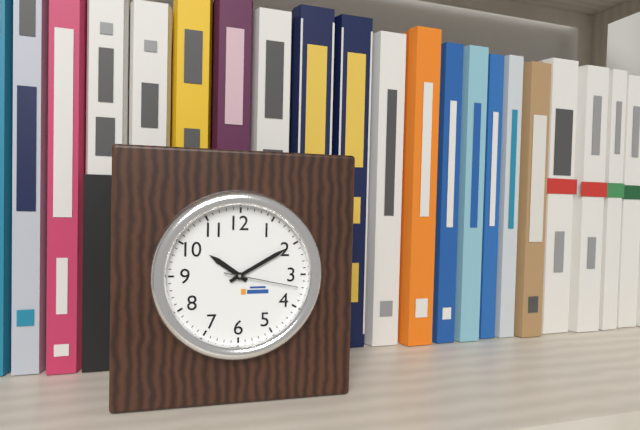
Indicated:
10 h 10 min 17 s
